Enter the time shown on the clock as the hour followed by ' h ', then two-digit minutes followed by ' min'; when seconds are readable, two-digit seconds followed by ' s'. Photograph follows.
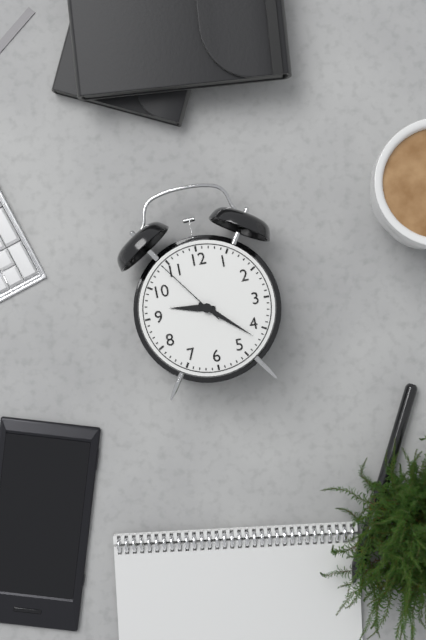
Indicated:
9 h 22 min 54 s
